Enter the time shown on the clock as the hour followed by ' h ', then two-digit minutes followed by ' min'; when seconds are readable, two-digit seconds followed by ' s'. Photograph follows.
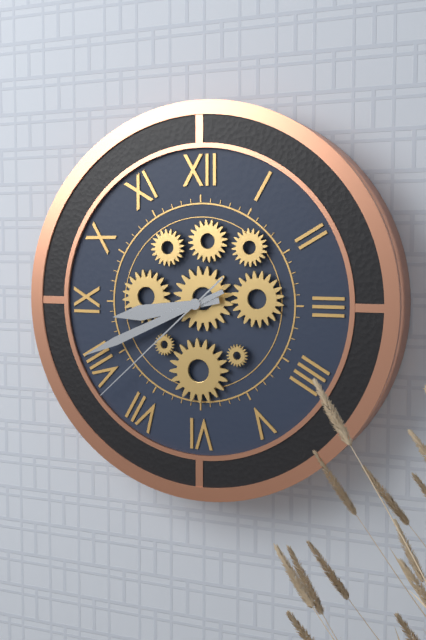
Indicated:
8 h 41 min 38 s
